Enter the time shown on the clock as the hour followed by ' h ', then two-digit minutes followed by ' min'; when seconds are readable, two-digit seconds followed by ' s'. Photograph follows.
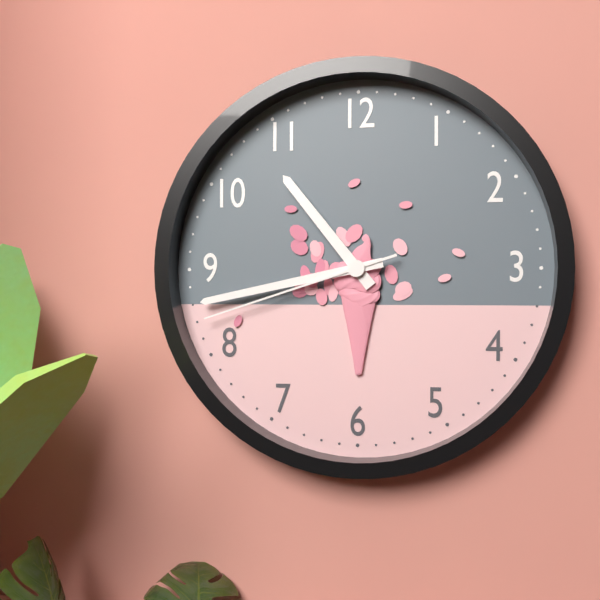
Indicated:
10 h 43 min 42 s
